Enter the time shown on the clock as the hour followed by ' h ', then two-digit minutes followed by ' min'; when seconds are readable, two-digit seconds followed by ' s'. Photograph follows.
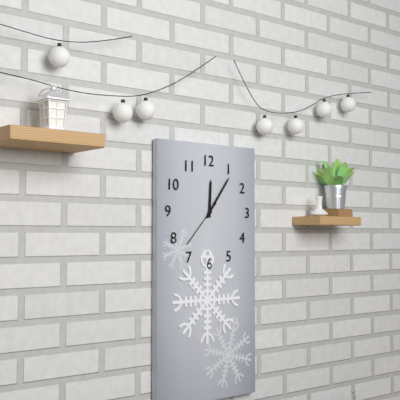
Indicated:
12 h 06 min 37 s
